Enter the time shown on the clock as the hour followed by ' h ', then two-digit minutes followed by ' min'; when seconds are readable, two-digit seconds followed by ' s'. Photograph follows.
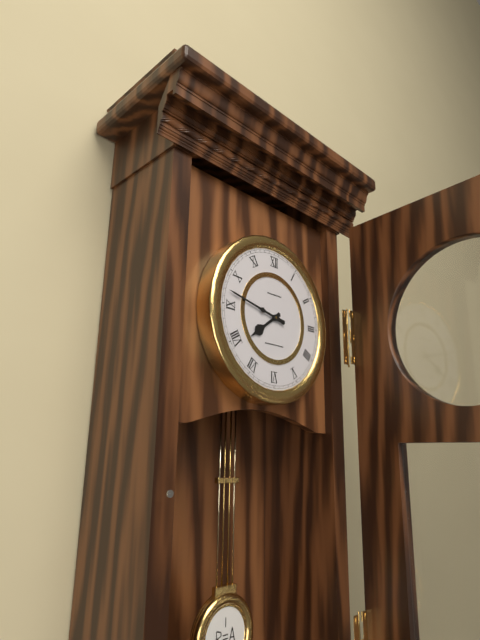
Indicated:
7 h 47 min
